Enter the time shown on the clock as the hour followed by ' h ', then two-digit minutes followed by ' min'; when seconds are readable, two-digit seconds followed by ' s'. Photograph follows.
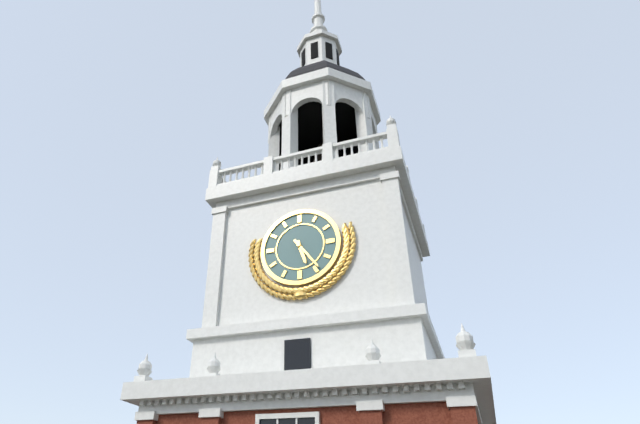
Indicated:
5 h 24 min
